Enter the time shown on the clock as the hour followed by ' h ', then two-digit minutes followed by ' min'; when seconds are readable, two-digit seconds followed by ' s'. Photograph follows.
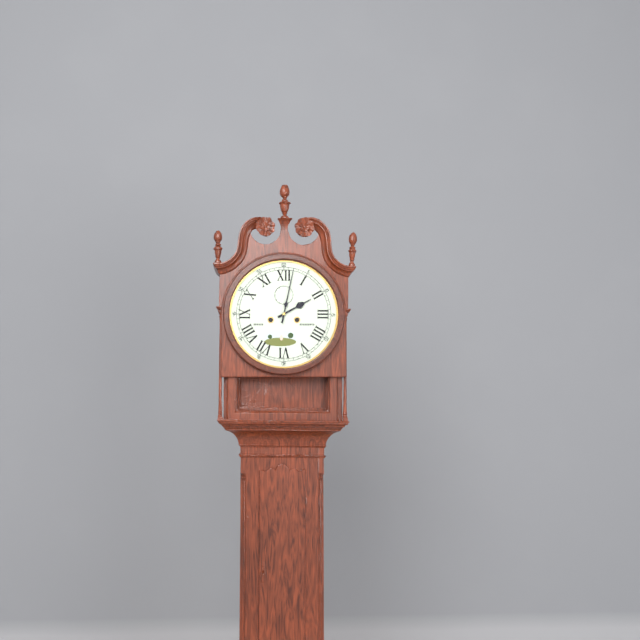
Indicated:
2 h 02 min
